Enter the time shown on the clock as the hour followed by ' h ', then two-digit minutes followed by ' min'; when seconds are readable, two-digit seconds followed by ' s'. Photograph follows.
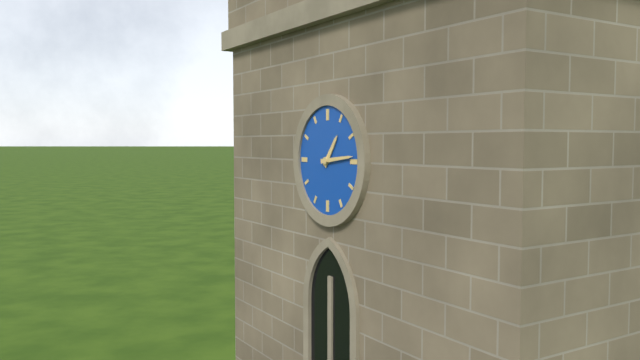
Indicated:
1 h 14 min
